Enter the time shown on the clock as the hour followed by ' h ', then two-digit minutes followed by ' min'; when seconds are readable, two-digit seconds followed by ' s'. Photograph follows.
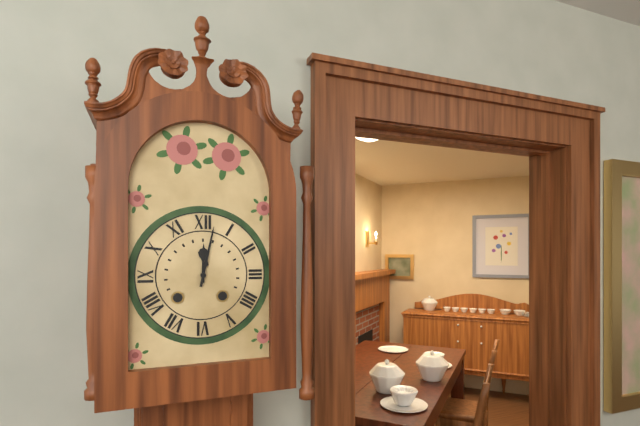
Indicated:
12 h 02 min
